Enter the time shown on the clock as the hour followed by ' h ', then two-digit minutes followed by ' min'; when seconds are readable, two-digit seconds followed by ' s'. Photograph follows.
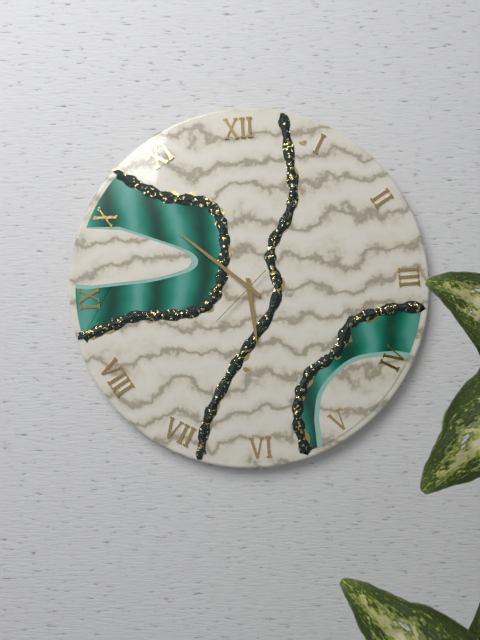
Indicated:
5 h 52 min 38 s
